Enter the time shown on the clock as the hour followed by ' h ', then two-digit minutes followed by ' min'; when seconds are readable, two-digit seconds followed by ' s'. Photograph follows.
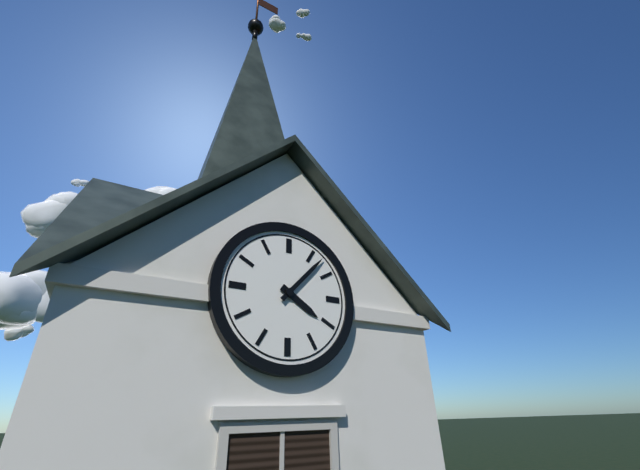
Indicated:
4 h 07 min
